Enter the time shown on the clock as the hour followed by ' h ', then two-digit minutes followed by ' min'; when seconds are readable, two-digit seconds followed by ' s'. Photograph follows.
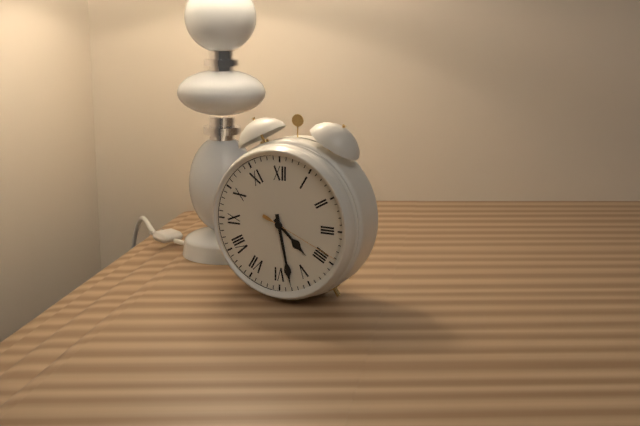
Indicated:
4 h 28 min 19 s
